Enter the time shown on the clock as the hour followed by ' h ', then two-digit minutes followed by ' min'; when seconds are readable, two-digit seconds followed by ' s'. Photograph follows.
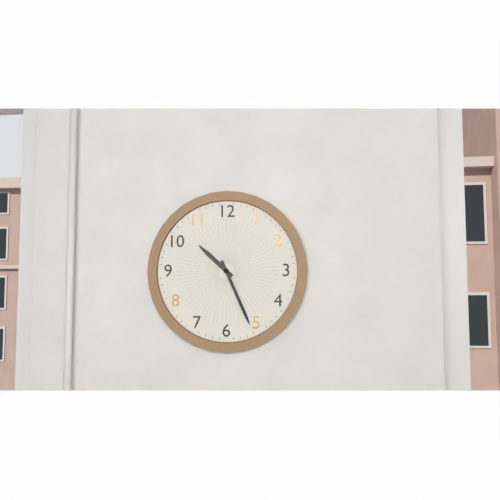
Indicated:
10 h 26 min
